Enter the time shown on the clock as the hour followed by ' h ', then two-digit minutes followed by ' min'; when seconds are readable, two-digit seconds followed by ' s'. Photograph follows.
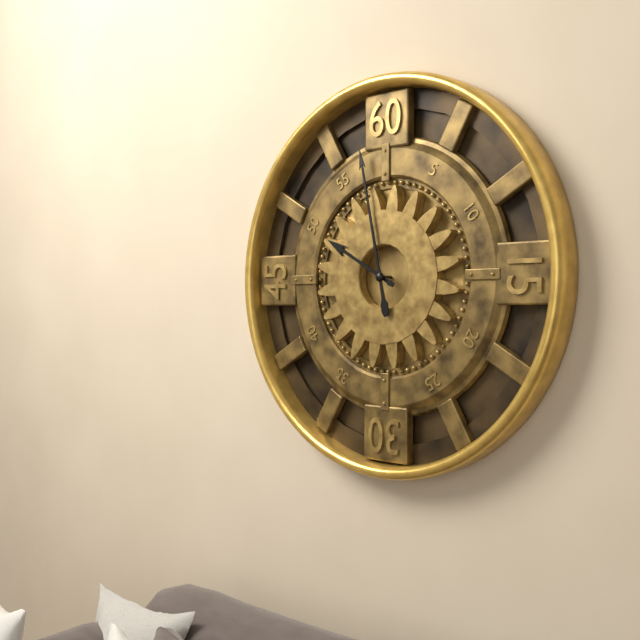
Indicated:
9 h 58 min
